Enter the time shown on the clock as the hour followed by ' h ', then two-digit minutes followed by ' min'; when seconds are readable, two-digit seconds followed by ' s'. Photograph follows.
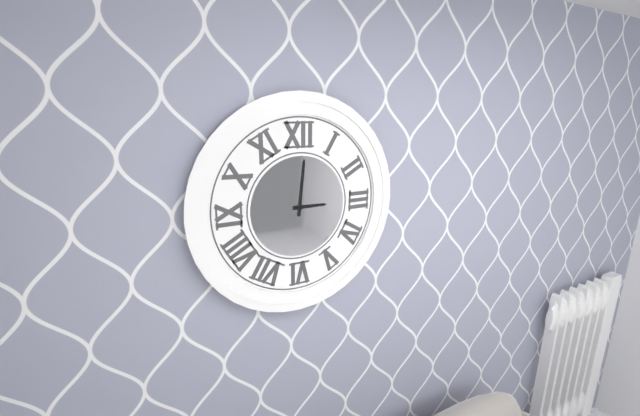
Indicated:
3 h 01 min
